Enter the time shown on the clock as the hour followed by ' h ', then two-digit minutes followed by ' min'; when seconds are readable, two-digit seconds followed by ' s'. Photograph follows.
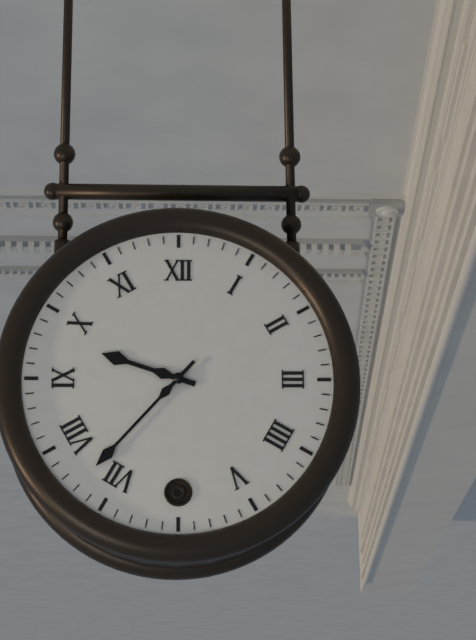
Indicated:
9 h 37 min
